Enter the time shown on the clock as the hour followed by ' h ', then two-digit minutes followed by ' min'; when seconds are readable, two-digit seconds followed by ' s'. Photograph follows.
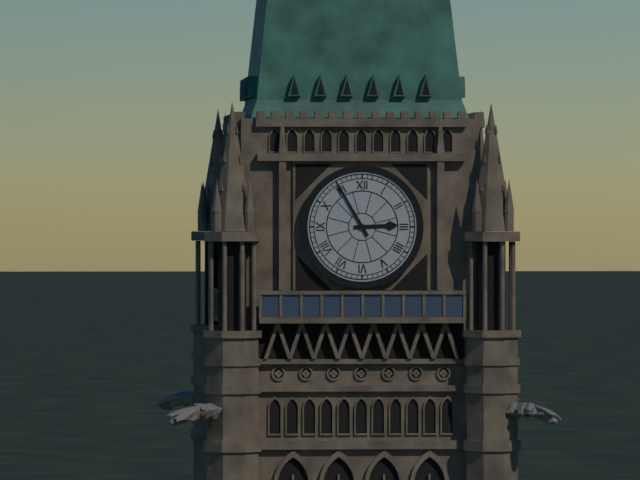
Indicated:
2 h 55 min
